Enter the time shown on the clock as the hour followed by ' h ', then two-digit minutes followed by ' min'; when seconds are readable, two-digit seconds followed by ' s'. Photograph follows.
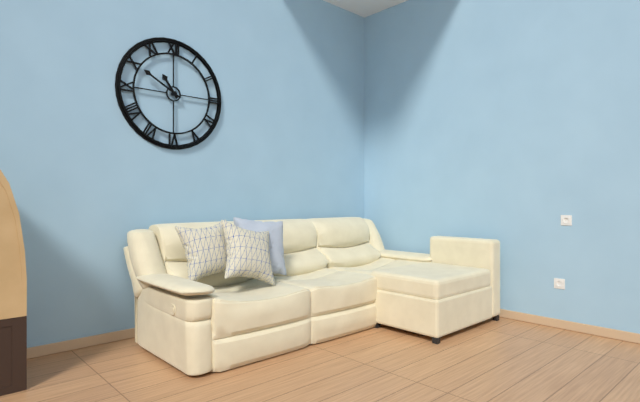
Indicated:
10 h 50 min
